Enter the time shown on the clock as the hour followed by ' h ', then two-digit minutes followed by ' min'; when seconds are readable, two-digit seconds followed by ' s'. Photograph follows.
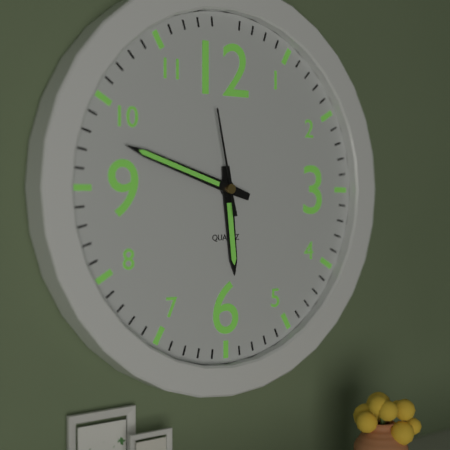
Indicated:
5 h 48 min 58 s
